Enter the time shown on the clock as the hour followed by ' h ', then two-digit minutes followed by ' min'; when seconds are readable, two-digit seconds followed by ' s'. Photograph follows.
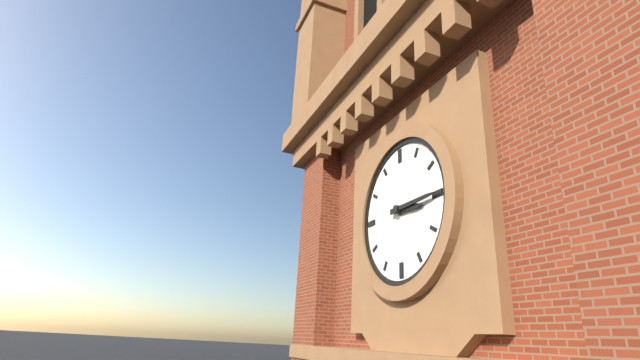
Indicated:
3 h 15 min
